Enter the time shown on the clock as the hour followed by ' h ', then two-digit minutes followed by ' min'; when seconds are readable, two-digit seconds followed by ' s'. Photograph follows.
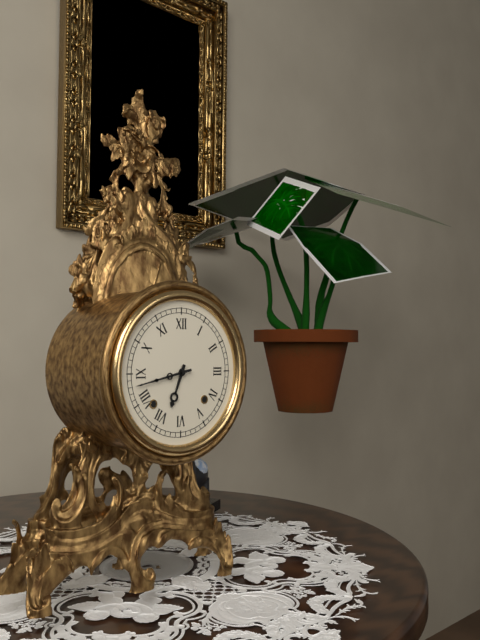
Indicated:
6 h 43 min
